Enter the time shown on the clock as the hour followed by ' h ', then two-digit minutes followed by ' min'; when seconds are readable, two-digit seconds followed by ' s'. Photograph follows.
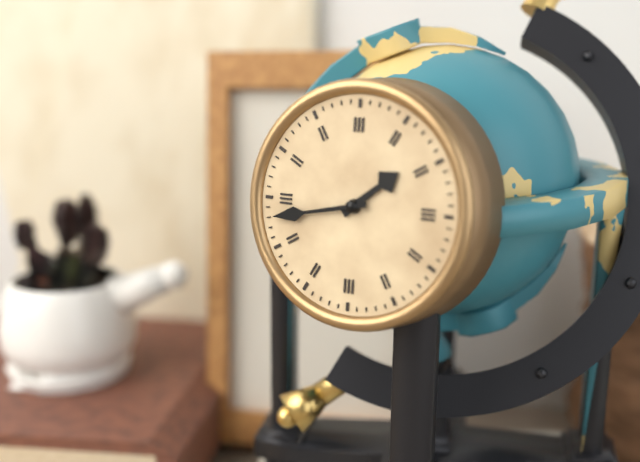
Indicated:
1 h 43 min
